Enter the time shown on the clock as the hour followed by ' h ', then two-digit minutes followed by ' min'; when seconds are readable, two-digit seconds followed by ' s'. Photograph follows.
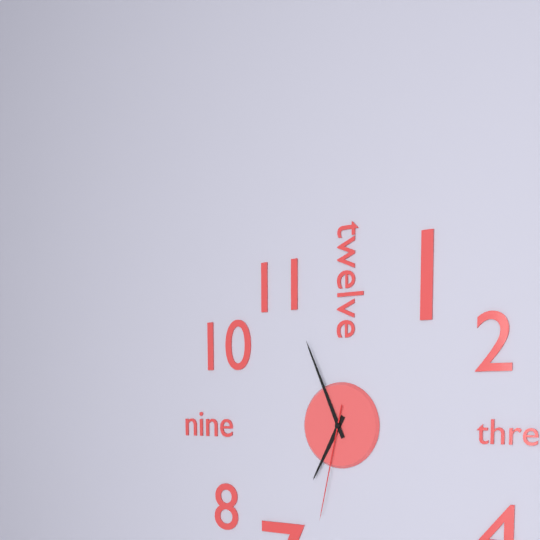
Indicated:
6 h 56 min 32 s
